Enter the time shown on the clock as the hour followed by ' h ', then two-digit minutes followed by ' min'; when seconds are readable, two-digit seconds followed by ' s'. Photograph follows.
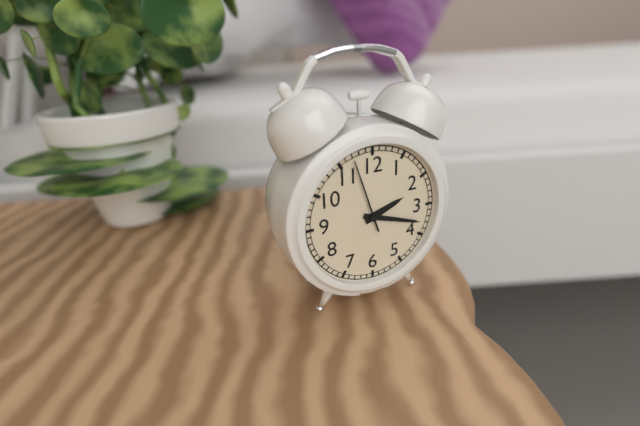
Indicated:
2 h 18 min 57 s
